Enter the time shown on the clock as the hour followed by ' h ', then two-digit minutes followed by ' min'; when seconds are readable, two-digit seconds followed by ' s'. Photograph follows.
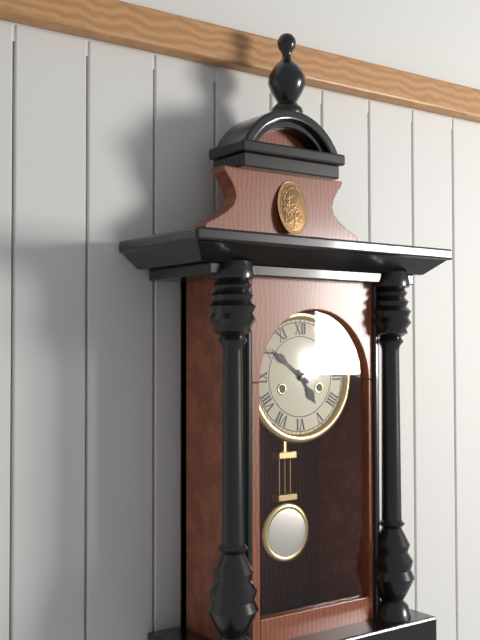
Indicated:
4 h 51 min
